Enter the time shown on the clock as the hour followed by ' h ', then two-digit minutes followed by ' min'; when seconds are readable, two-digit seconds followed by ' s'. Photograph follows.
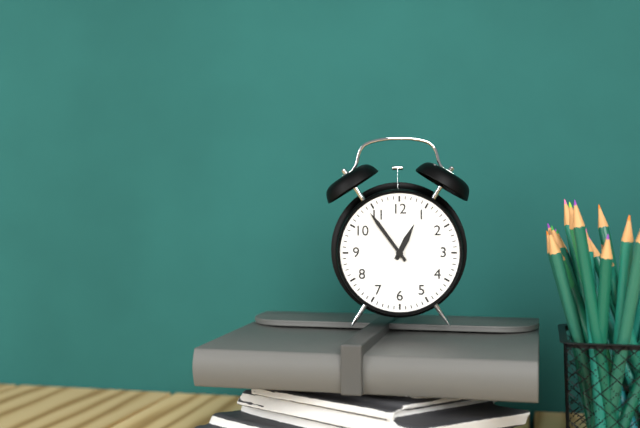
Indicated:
12 h 54 min
